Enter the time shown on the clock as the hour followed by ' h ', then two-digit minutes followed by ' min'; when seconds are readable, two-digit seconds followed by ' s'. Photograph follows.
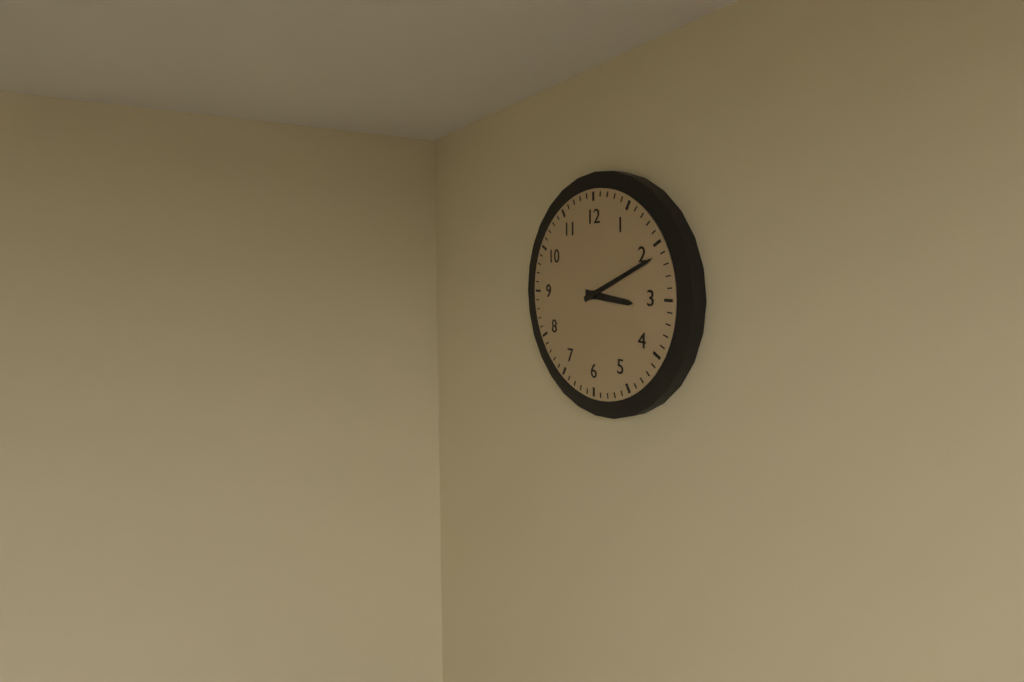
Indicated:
3 h 11 min
